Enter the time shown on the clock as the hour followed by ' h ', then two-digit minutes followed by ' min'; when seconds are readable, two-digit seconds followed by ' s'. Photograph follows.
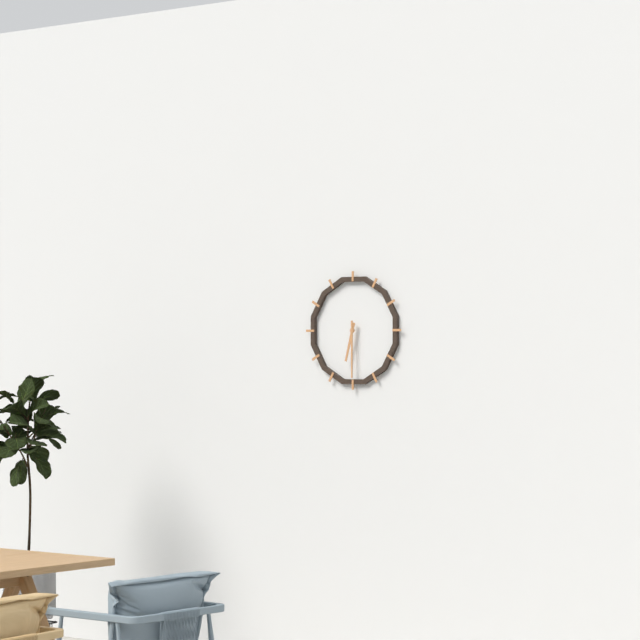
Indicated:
6 h 30 min
